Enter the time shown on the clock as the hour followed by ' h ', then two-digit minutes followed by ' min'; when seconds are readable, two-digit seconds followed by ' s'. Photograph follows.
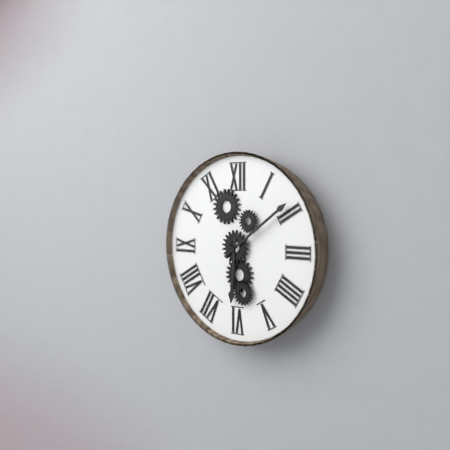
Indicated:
6 h 09 min
